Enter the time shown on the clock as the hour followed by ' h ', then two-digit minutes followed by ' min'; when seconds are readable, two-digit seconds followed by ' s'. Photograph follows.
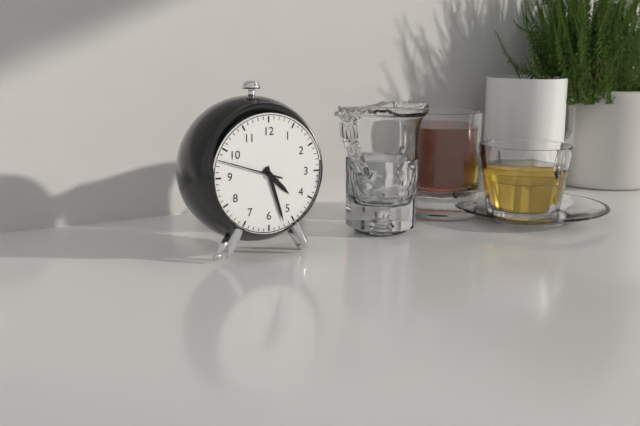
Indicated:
4 h 27 min 48 s
